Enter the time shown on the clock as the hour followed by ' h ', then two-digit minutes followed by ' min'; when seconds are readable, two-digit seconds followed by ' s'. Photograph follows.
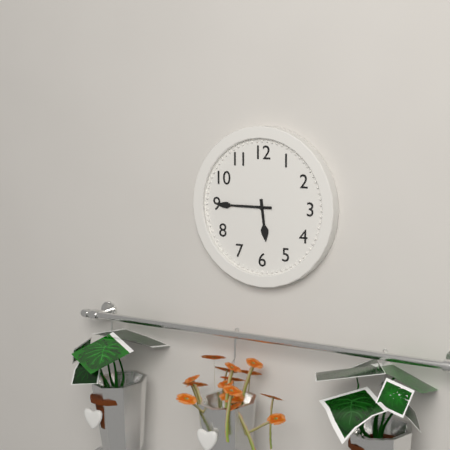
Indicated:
5 h 45 min
